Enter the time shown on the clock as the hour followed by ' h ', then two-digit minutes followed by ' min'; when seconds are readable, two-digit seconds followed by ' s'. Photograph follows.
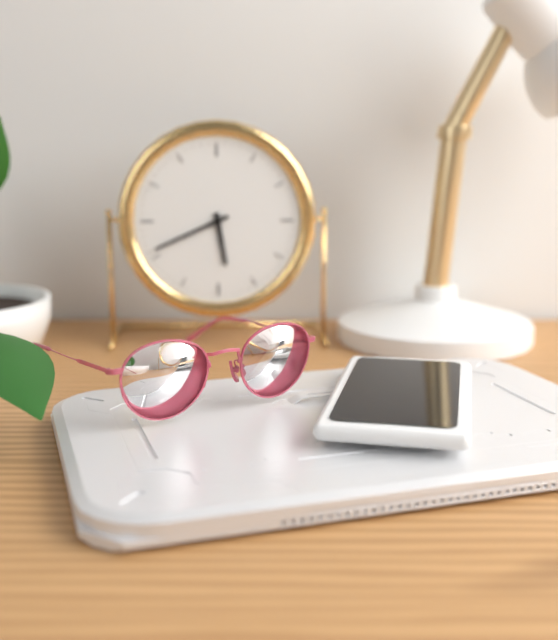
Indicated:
5 h 41 min
